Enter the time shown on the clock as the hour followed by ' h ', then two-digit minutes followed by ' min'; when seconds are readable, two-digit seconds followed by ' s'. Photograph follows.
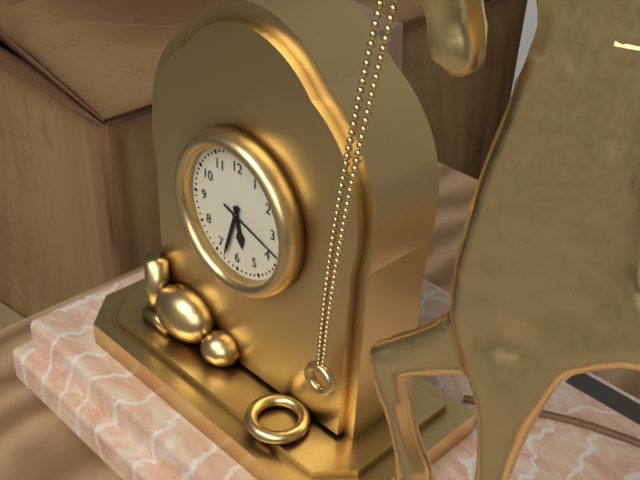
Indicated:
5 h 33 min 18 s
